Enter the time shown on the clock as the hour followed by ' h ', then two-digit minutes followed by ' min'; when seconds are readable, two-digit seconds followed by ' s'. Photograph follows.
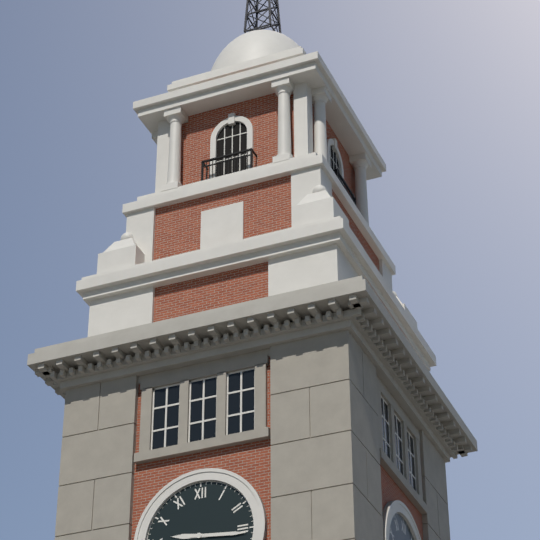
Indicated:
9 h 16 min
